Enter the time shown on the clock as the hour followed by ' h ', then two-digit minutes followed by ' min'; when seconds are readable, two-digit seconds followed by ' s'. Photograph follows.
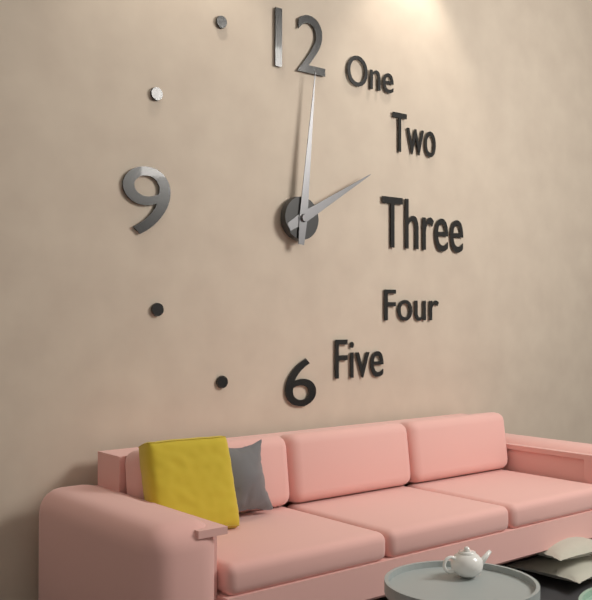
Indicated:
2 h 01 min
